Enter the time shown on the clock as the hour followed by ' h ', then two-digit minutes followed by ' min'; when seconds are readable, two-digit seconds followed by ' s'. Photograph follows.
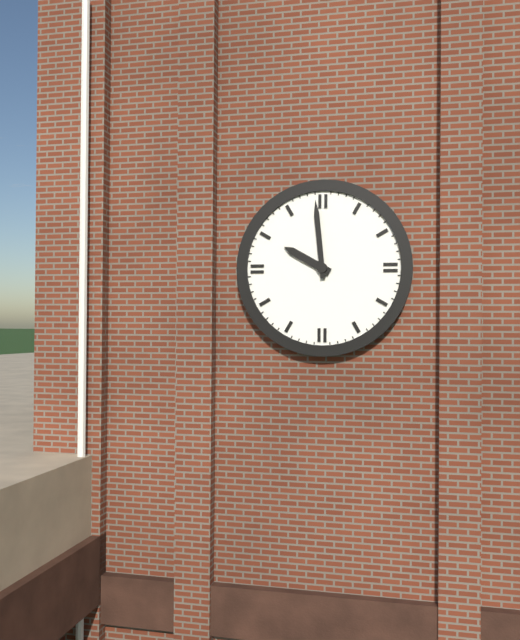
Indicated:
9 h 59 min
